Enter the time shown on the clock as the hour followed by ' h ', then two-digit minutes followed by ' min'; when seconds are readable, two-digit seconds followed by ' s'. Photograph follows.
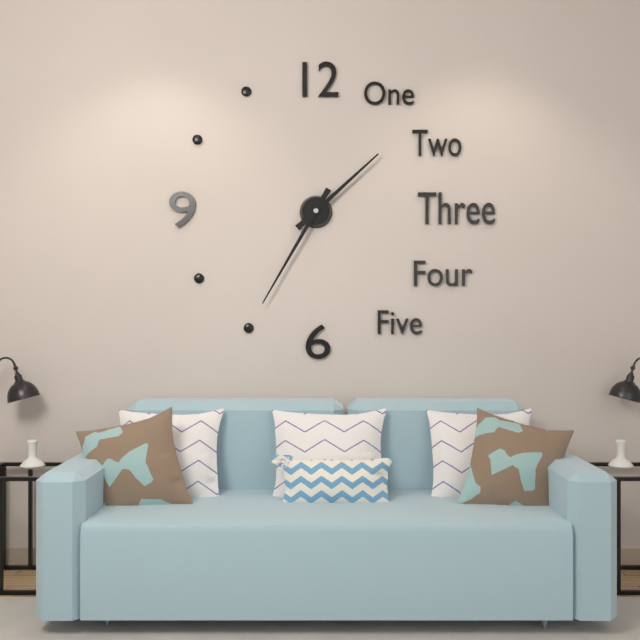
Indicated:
1 h 35 min
